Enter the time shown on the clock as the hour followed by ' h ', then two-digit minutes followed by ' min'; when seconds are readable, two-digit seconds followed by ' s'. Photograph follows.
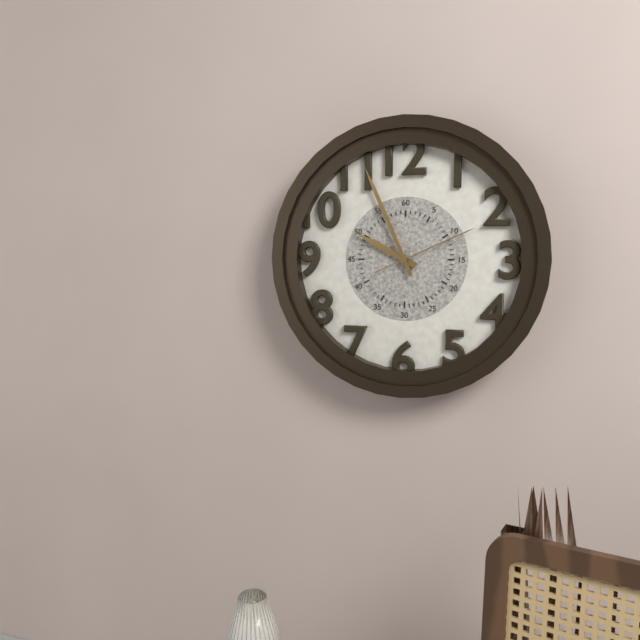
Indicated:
9 h 56 min 11 s
